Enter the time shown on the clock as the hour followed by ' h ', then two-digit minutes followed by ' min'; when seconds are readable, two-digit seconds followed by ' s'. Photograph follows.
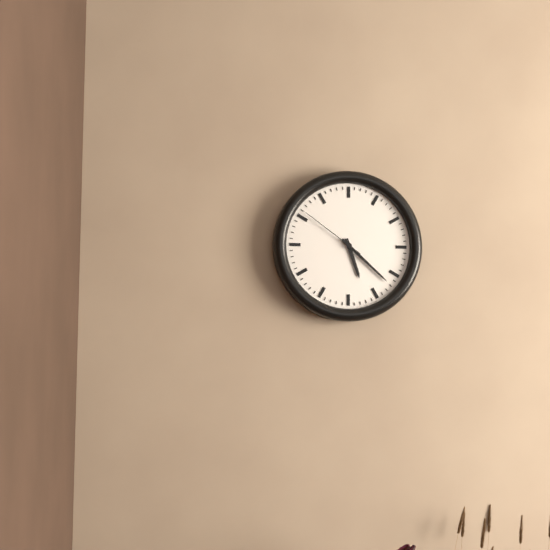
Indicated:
5 h 22 min 51 s
